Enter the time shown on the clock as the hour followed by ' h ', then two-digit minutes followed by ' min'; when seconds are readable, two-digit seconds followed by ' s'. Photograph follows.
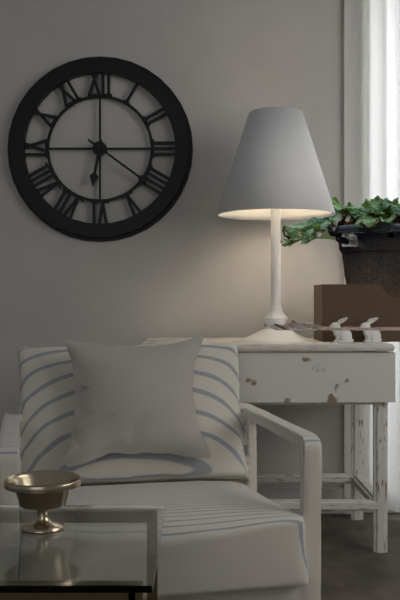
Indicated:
6 h 21 min
